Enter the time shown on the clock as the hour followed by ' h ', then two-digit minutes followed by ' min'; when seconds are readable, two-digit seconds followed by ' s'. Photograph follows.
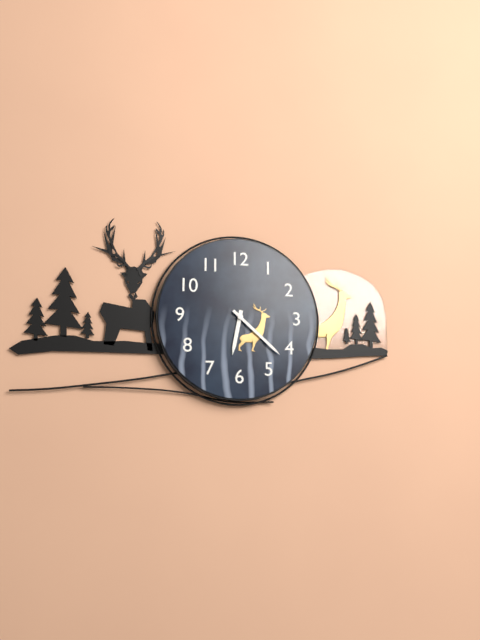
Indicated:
6 h 22 min
